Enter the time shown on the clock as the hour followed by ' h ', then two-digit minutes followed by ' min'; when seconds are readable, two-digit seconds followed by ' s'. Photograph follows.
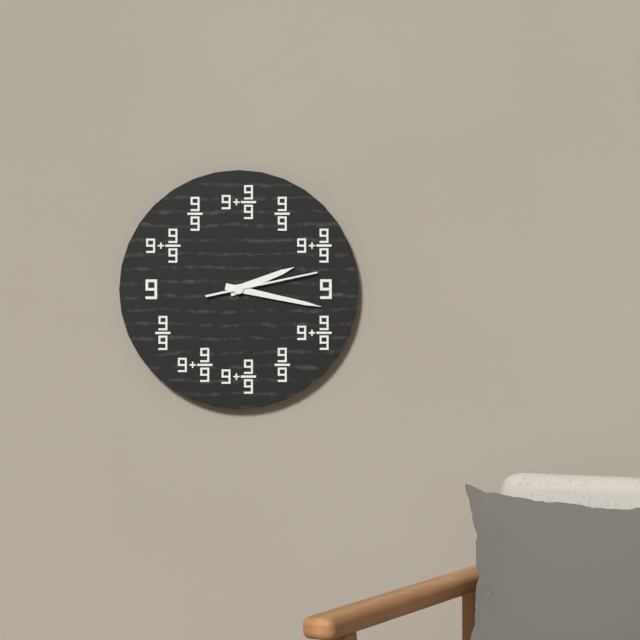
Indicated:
2 h 17 min 13 s
